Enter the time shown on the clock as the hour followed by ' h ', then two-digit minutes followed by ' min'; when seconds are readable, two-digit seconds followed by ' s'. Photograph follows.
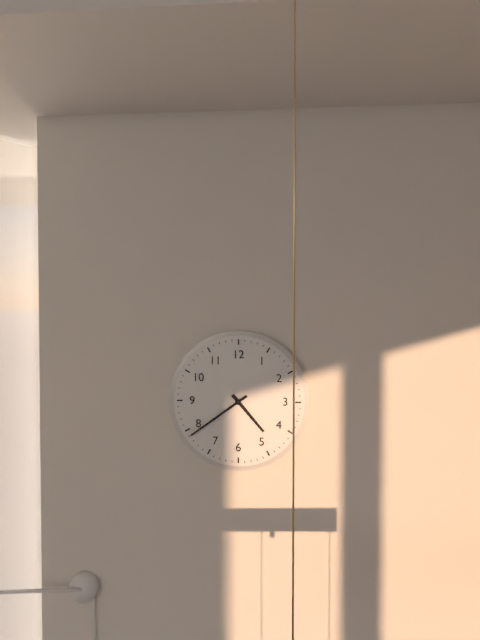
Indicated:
4 h 39 min
